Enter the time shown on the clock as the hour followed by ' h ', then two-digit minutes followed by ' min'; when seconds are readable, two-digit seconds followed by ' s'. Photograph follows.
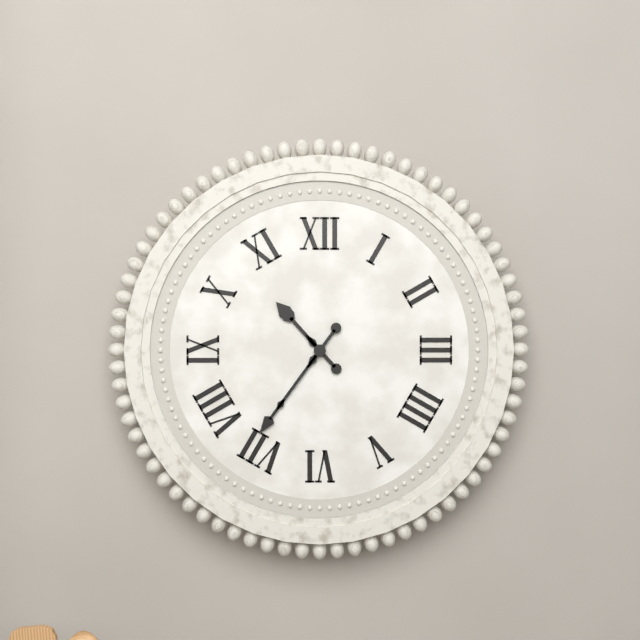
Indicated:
10 h 36 min
